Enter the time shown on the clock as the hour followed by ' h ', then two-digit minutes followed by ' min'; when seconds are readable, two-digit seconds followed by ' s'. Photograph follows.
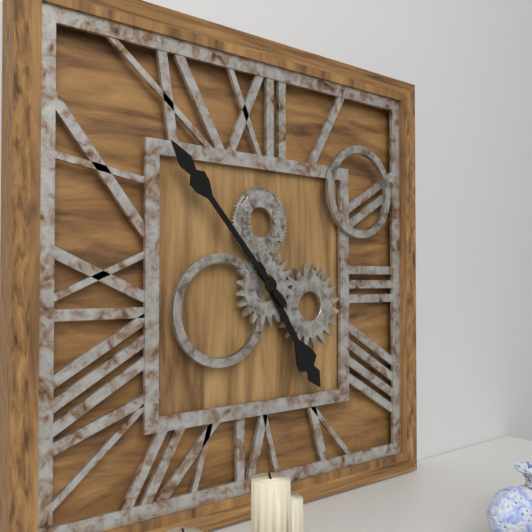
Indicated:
4 h 53 min
